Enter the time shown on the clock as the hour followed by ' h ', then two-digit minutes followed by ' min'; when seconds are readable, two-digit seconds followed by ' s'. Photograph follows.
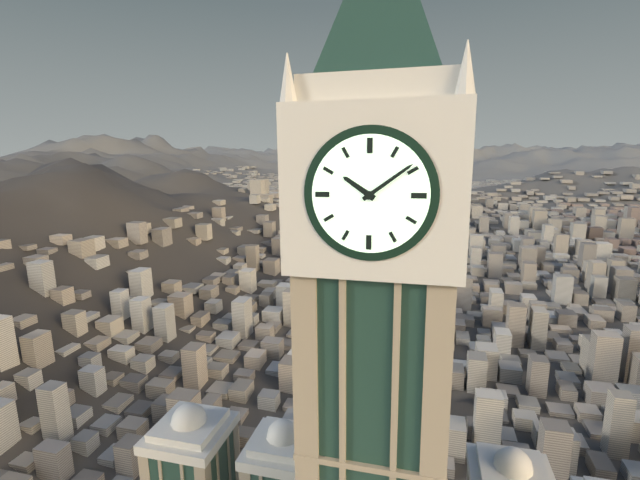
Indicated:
10 h 09 min
